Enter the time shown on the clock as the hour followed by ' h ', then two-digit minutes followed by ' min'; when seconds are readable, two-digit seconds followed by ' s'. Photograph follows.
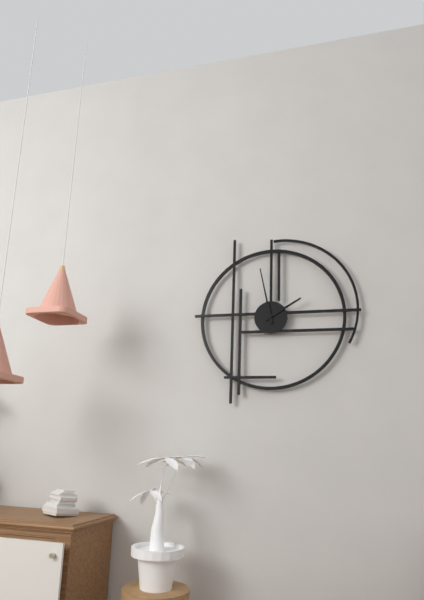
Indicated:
1 h 58 min
